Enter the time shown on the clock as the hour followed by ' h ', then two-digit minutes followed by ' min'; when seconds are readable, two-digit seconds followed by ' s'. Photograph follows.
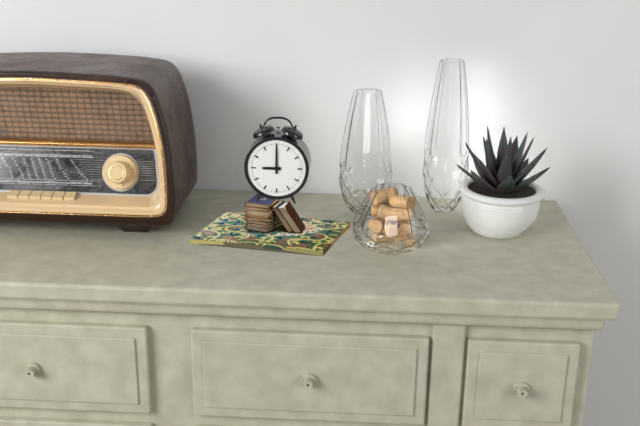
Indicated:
9 h 00 min
